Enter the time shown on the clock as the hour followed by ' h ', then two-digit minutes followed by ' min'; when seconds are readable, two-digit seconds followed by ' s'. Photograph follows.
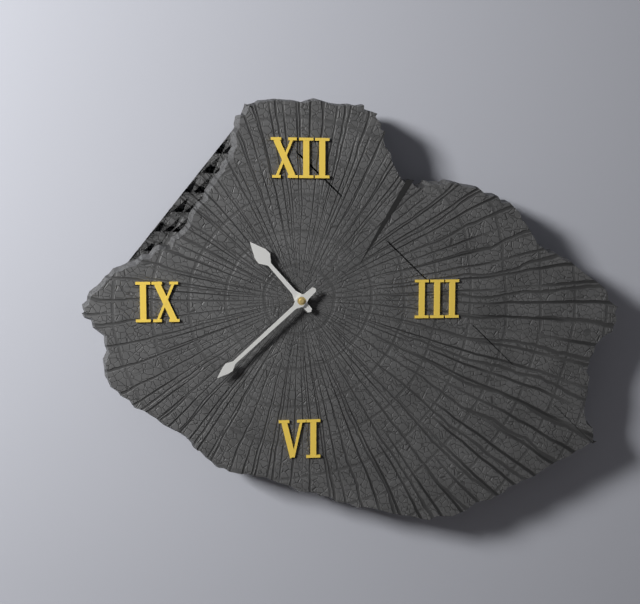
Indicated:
10 h 38 min
